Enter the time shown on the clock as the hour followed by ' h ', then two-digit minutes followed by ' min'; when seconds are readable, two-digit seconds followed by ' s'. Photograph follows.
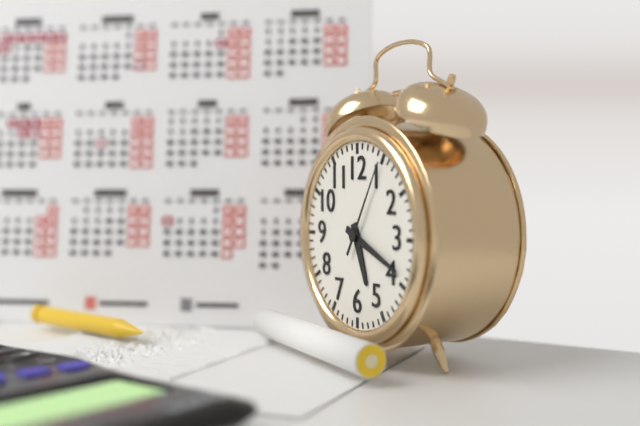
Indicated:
5 h 19 min 05 s
